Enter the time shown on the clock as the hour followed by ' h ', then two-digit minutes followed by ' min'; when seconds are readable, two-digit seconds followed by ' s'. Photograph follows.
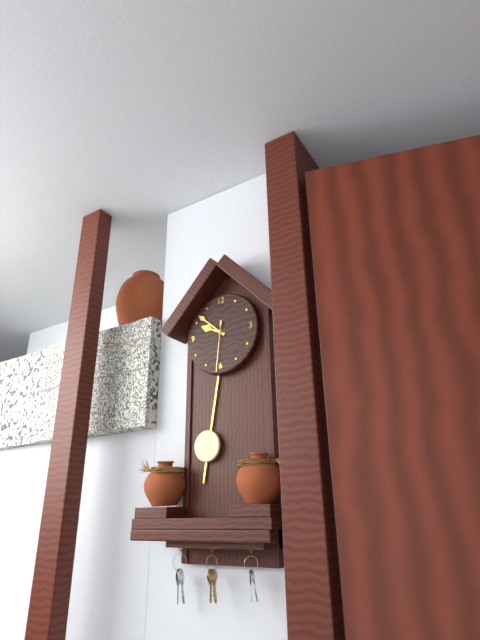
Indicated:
9 h 52 min
